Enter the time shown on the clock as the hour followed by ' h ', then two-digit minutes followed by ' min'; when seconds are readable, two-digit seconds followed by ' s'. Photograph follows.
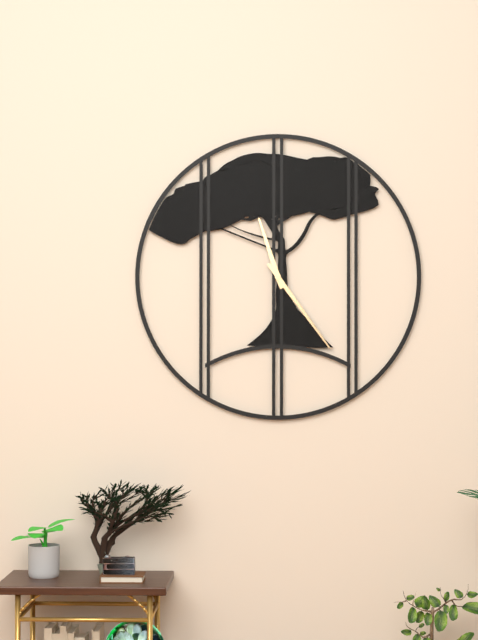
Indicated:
11 h 24 min
